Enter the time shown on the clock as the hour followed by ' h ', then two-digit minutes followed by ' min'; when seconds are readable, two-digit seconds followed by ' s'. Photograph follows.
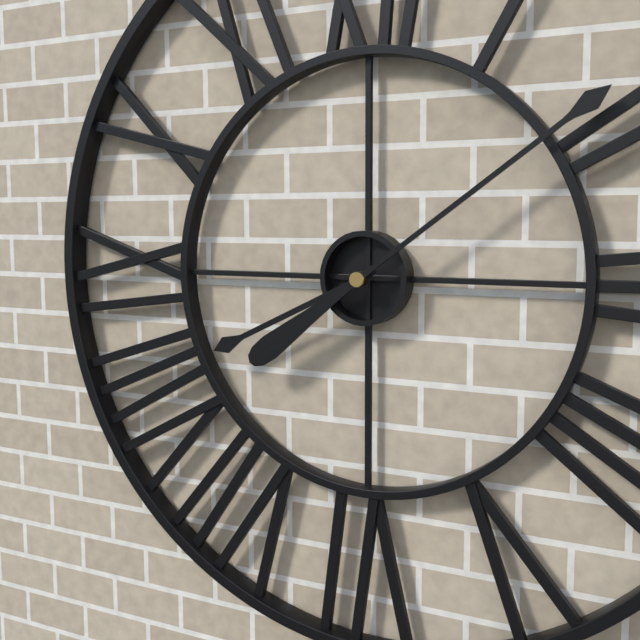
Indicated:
8 h 09 min
